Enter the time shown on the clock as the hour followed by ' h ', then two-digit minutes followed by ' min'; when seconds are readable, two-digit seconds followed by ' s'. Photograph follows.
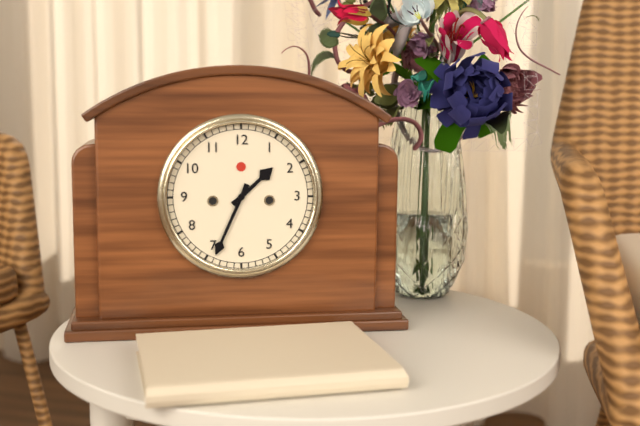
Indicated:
1 h 34 min
